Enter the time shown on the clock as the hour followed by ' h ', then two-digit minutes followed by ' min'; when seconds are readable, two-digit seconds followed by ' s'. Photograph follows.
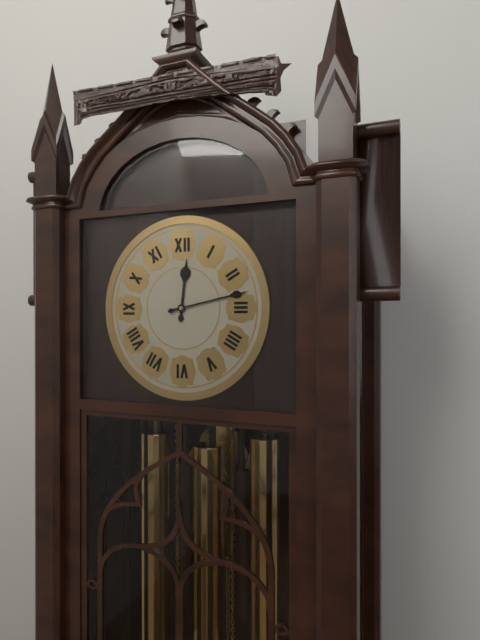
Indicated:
12 h 13 min
